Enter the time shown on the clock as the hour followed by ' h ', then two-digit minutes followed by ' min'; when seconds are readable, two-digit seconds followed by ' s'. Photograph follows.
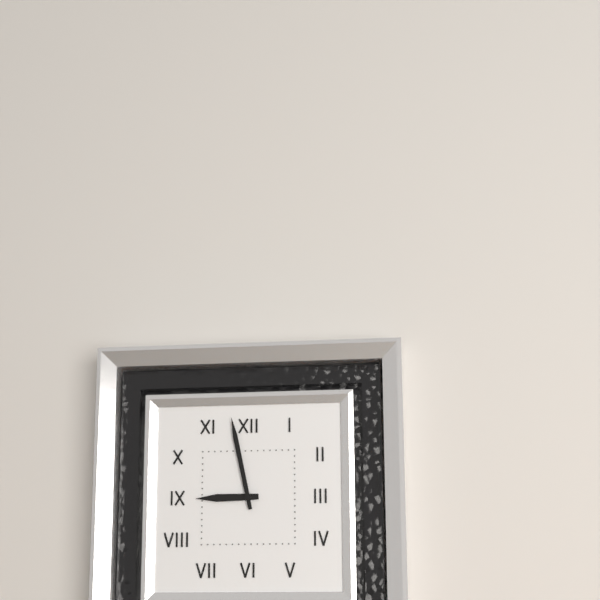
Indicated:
8 h 58 min
